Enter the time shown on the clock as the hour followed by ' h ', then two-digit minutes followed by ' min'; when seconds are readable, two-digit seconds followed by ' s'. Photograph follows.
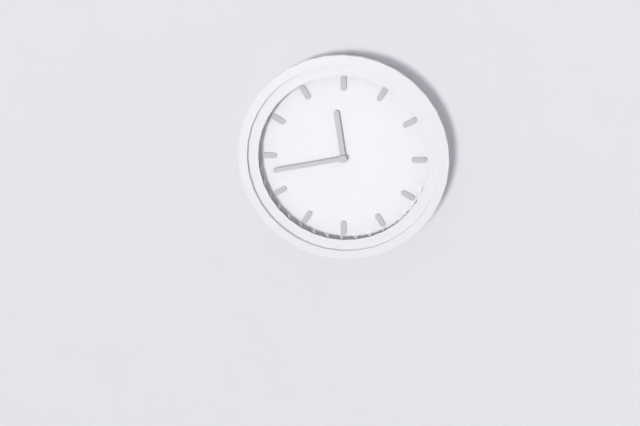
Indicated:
11 h 43 min
